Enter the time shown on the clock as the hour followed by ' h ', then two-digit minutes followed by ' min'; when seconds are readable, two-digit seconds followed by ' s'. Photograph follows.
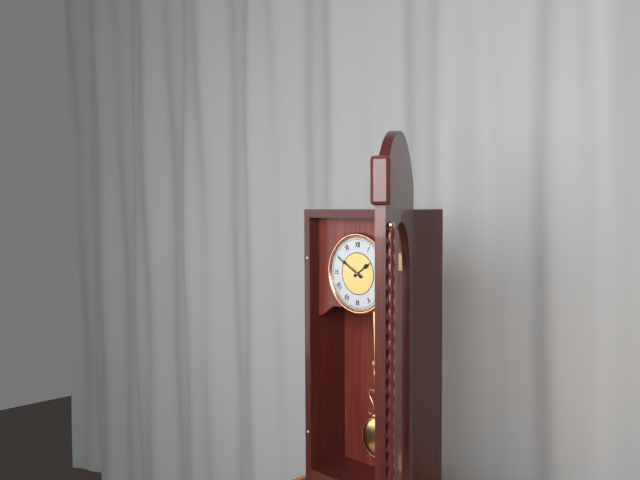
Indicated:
1 h 50 min
